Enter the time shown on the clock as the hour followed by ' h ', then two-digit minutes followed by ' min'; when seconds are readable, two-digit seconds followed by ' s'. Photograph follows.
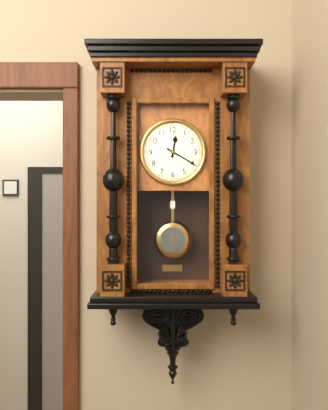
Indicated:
12 h 20 min
